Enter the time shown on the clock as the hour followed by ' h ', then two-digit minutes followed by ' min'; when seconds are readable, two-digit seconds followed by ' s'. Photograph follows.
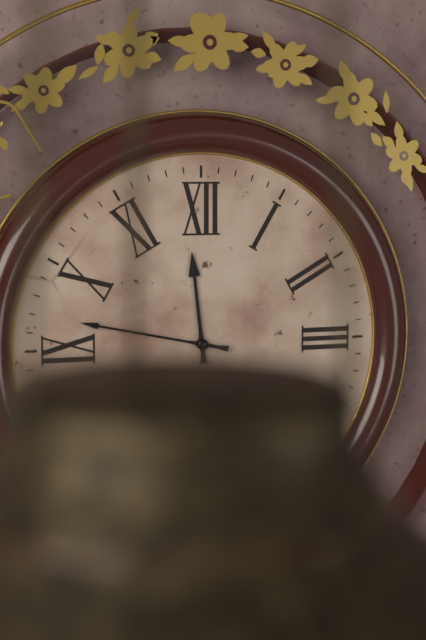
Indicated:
11 h 47 min
